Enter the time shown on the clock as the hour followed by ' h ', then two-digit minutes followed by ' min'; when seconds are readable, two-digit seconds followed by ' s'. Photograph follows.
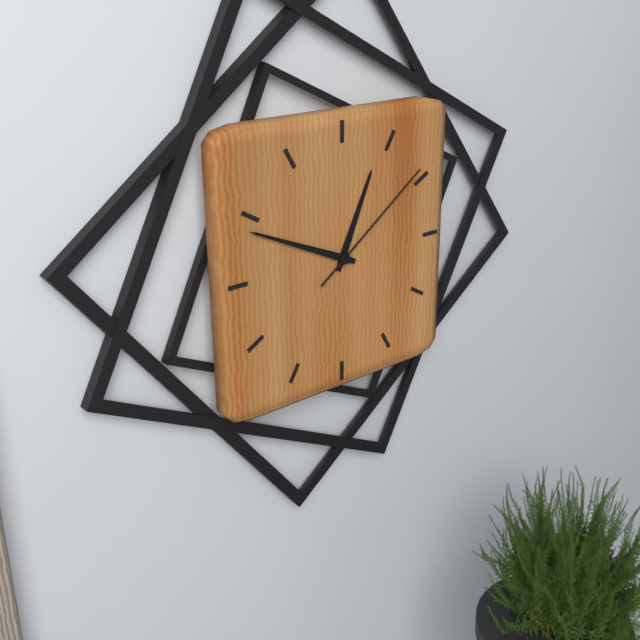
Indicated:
12 h 49 min 09 s
